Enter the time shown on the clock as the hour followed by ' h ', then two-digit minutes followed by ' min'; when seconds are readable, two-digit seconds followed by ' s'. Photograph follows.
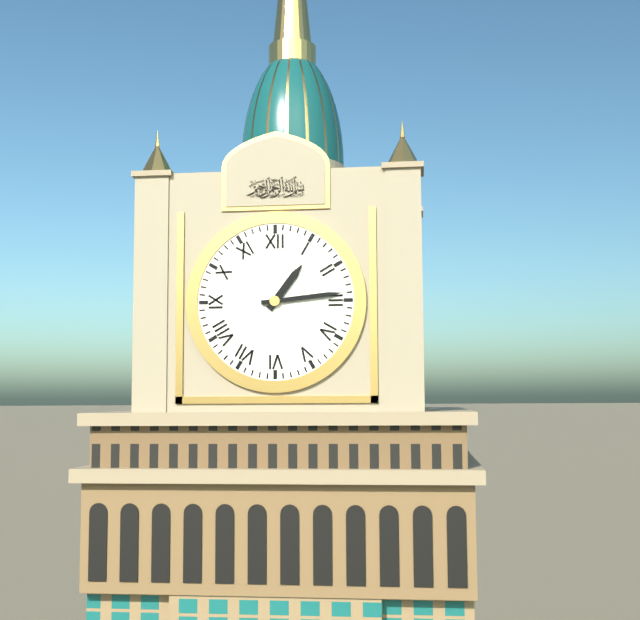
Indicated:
1 h 14 min
